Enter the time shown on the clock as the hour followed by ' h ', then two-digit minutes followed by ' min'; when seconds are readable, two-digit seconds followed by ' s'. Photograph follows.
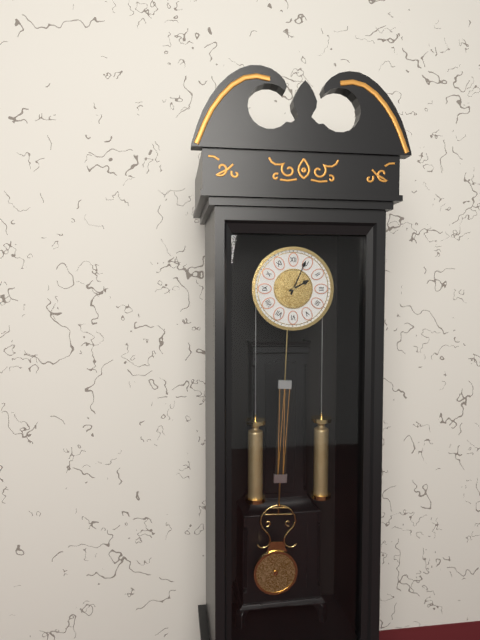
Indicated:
2 h 04 min
